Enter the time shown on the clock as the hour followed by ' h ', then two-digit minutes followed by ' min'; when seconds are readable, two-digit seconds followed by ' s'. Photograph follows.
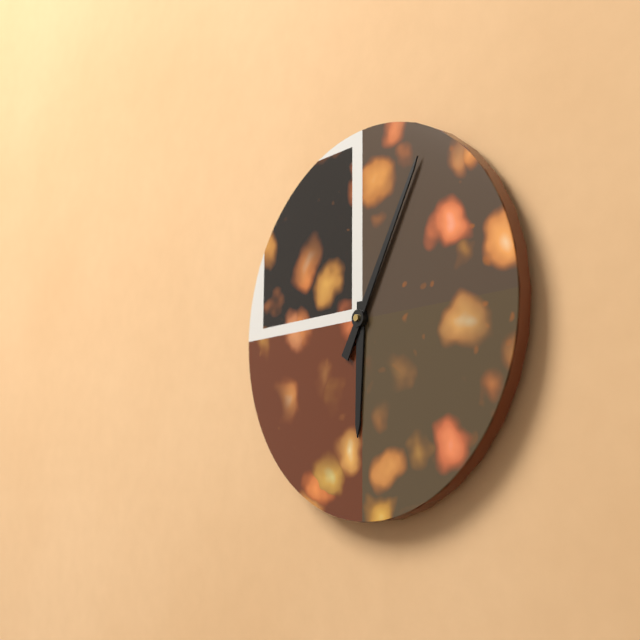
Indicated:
6 h 05 min
